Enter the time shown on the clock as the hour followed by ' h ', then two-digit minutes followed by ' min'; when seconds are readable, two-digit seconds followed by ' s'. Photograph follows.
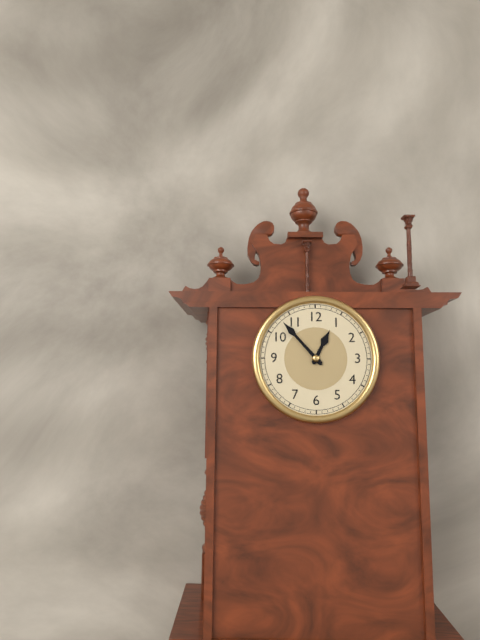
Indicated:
12 h 53 min
